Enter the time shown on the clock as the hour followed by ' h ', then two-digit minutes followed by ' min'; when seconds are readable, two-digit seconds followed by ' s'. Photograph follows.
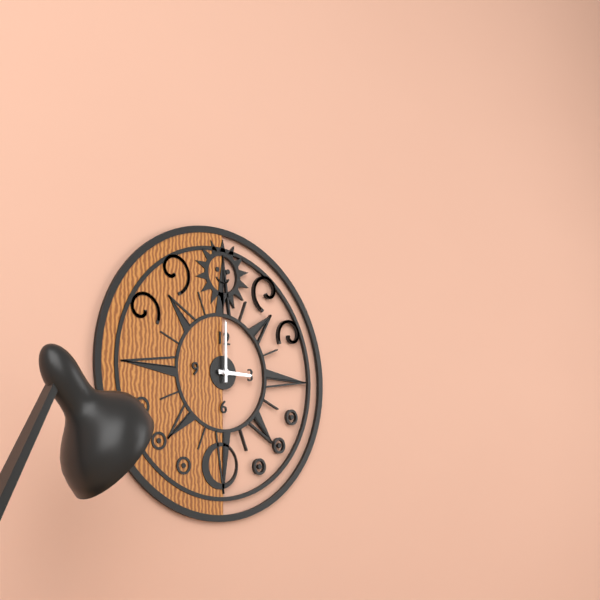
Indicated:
3 h 00 min
